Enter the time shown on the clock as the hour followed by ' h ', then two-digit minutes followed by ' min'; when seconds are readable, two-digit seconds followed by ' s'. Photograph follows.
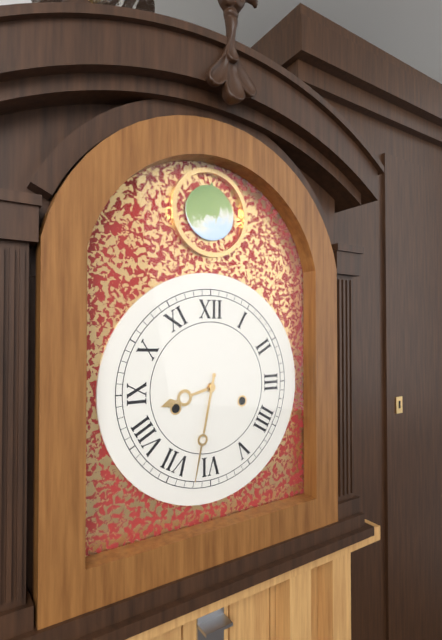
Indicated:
8 h 32 min
